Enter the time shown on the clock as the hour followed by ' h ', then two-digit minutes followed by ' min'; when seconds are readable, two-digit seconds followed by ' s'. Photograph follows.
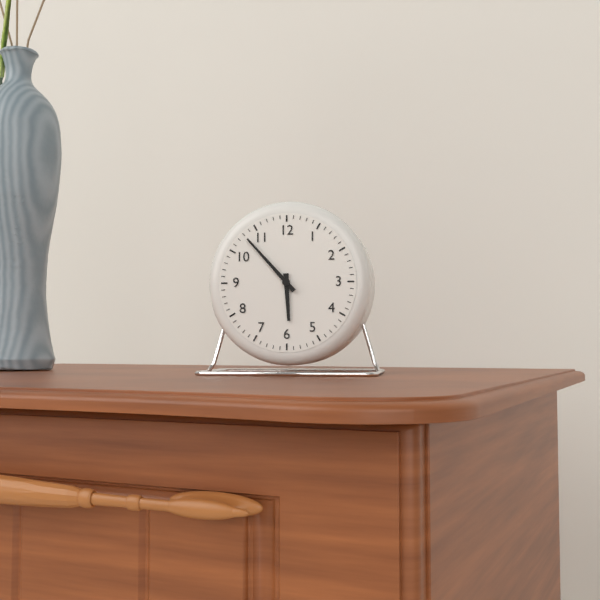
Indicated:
5 h 53 min
